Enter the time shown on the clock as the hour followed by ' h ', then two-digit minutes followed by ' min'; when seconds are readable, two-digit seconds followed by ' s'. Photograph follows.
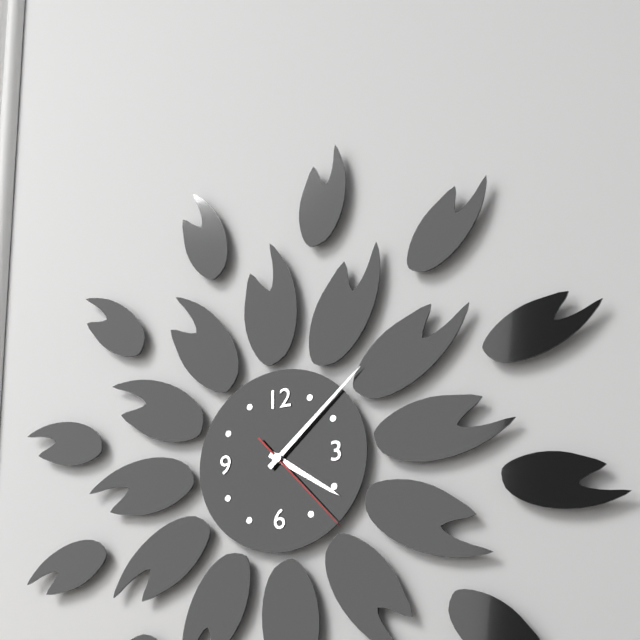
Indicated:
4 h 08 min 23 s
